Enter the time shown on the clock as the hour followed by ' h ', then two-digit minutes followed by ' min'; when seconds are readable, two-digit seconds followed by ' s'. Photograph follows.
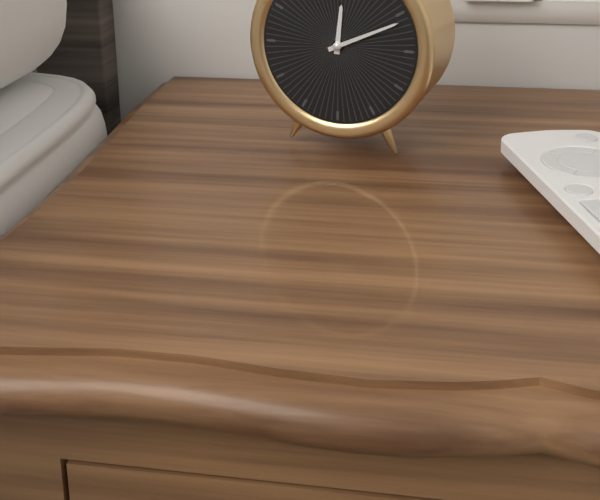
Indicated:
12 h 11 min
